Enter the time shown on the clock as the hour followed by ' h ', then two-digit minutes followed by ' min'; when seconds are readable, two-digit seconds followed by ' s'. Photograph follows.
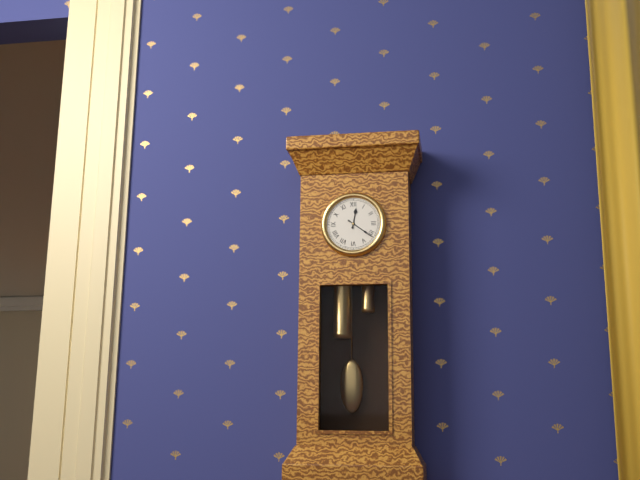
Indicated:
12 h 21 min
